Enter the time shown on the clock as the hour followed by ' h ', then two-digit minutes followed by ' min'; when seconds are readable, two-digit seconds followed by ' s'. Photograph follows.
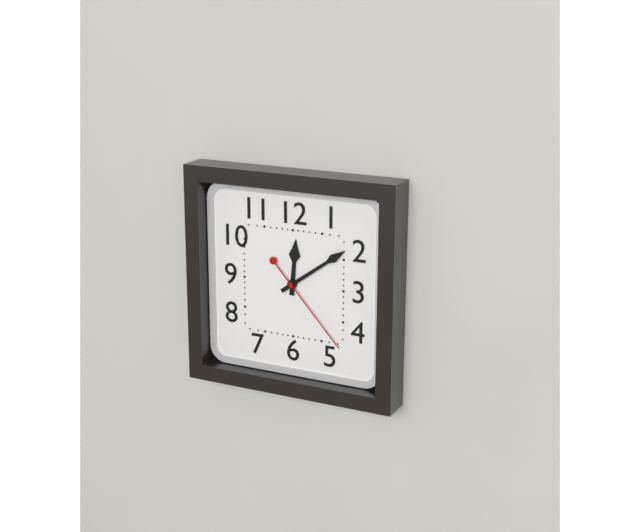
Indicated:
12 h 09 min 23 s
